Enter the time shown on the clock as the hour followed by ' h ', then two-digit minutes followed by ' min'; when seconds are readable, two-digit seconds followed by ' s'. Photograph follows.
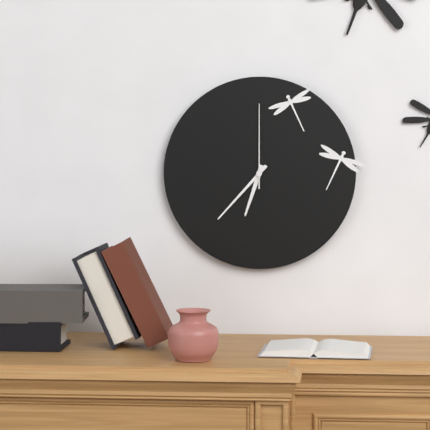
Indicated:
6 h 37 min 00 s
